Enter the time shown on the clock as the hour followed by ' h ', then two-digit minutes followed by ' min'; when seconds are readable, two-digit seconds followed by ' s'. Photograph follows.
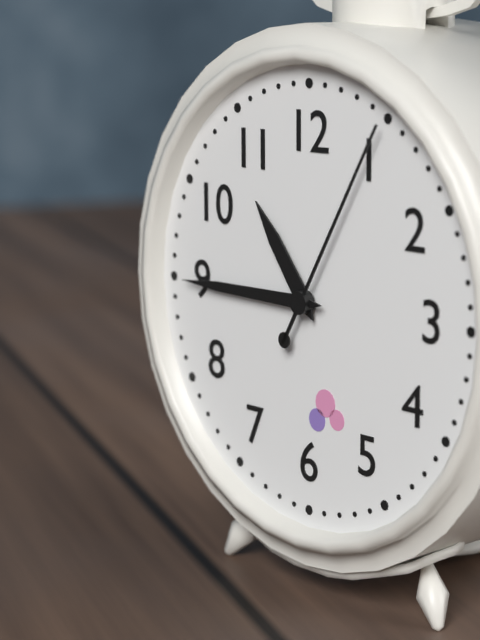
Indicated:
10 h 45 min 05 s
